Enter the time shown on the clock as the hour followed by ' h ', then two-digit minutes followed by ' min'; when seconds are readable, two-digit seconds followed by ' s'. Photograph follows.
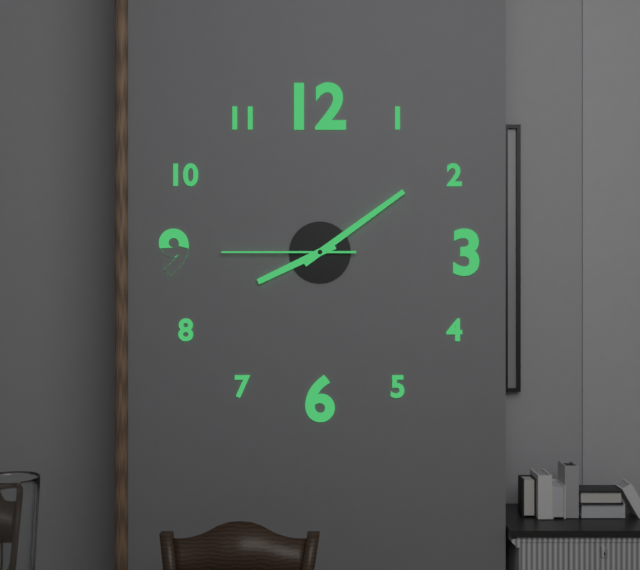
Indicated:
8 h 09 min 45 s
